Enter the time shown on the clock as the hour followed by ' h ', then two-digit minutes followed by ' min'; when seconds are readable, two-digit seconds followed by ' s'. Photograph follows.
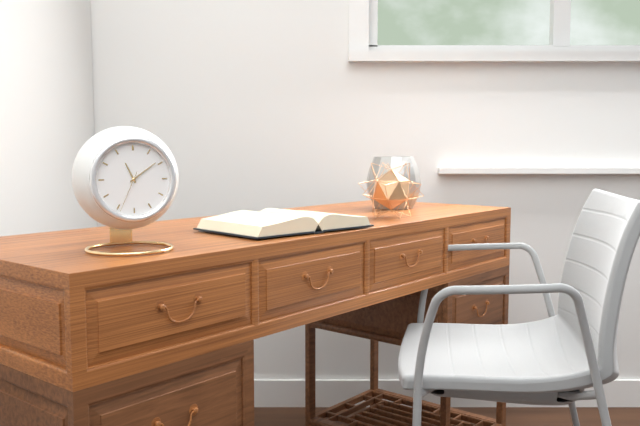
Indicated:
11 h 09 min
